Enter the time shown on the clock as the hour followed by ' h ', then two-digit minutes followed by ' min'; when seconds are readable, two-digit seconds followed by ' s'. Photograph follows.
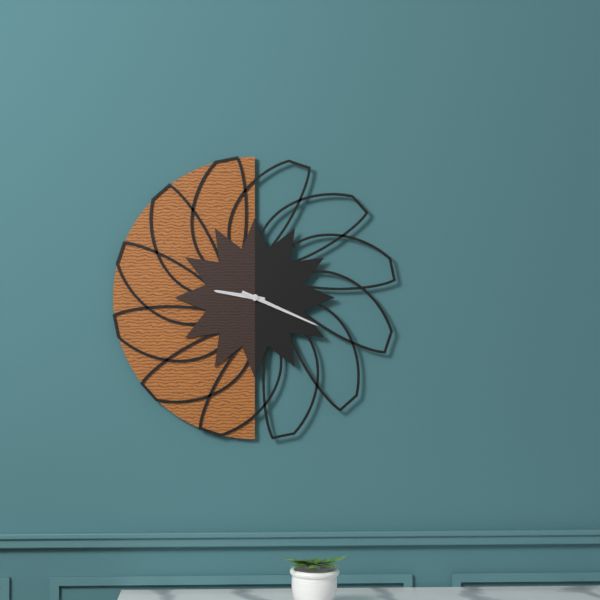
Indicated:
9 h 19 min
